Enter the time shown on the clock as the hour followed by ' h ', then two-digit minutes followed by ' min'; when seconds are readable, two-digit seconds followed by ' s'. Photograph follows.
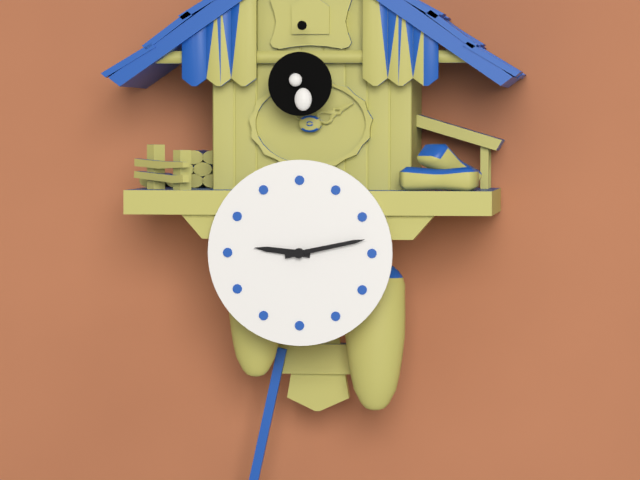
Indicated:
9 h 13 min
